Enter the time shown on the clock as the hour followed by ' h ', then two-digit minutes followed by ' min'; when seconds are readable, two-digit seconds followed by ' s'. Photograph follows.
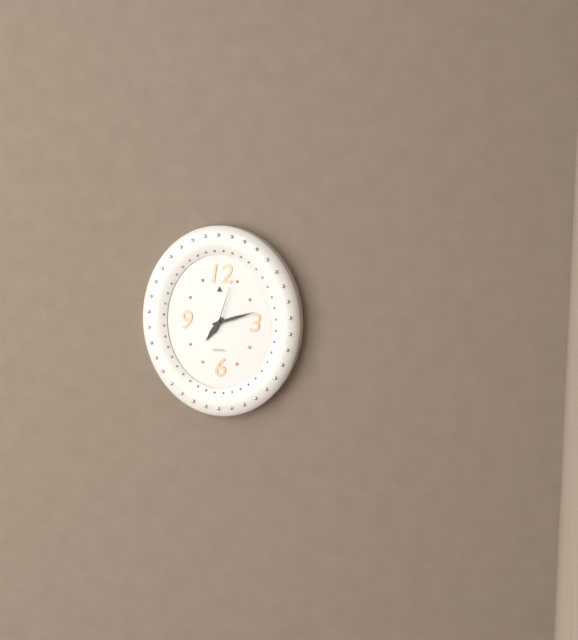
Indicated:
7 h 12 min 03 s
